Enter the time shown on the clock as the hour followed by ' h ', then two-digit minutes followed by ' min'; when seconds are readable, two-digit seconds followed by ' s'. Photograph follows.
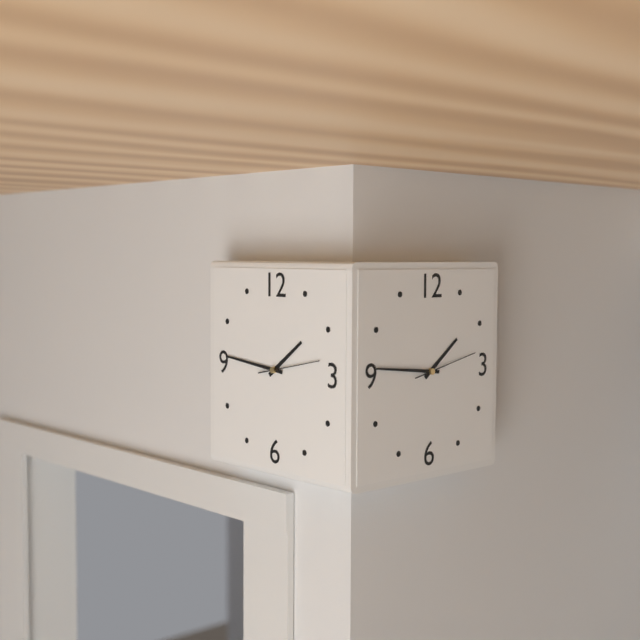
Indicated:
1 h 46 min 13 s
